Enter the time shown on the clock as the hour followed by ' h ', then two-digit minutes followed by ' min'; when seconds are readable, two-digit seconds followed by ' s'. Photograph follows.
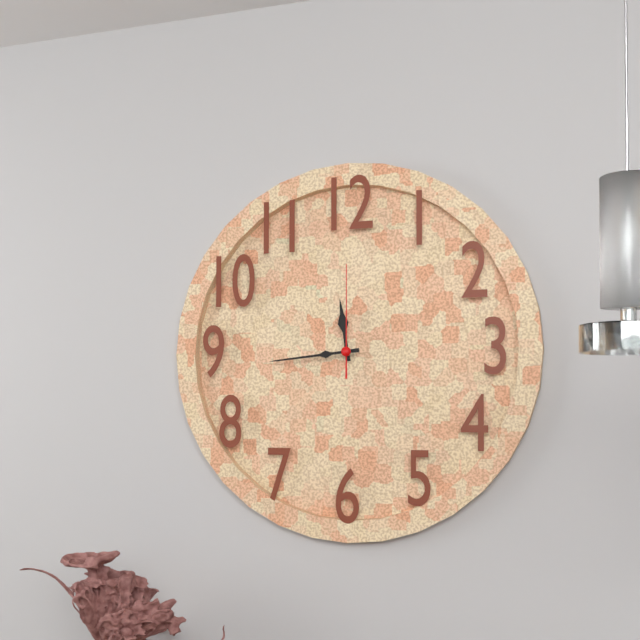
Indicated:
11 h 44 min 00 s
